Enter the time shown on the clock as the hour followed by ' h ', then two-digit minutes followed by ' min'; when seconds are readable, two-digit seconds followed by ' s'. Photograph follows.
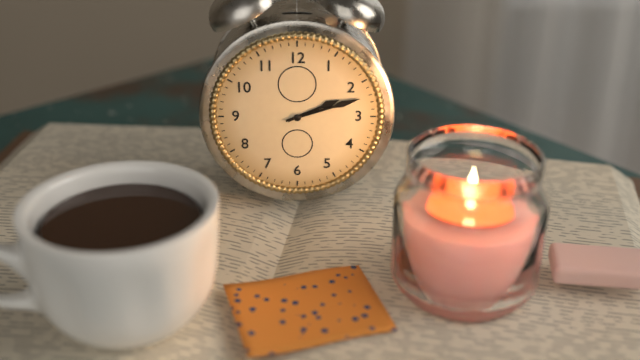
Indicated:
2 h 12 min
